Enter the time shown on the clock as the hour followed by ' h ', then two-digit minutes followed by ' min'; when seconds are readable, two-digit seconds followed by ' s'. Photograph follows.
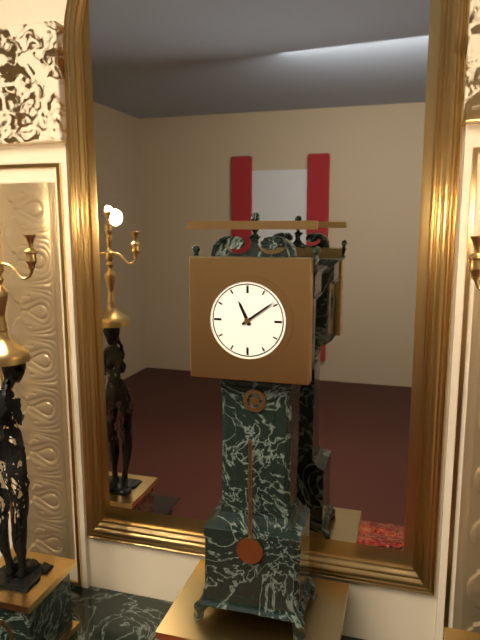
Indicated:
11 h 09 min
